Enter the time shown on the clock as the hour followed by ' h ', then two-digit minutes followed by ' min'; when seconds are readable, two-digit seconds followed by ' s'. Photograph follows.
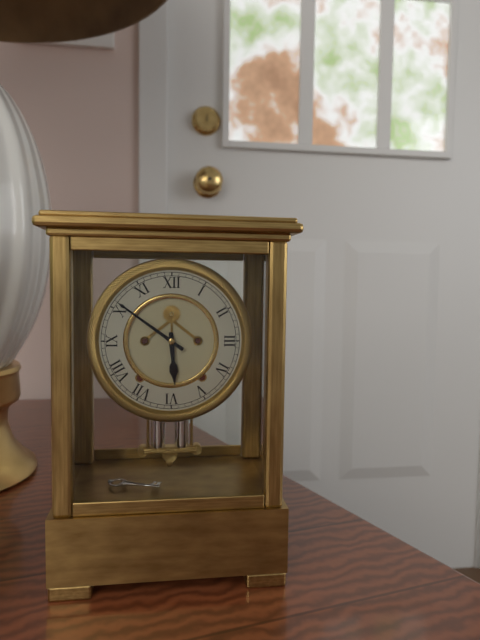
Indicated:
5 h 51 min
